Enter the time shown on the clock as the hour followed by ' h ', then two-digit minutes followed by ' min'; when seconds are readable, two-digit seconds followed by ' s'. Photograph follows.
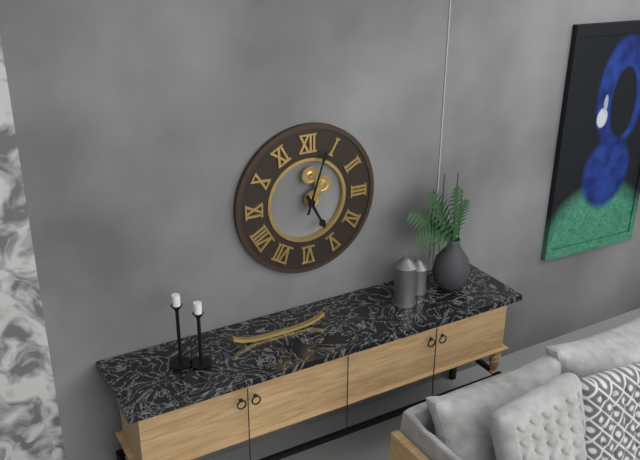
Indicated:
5 h 03 min
